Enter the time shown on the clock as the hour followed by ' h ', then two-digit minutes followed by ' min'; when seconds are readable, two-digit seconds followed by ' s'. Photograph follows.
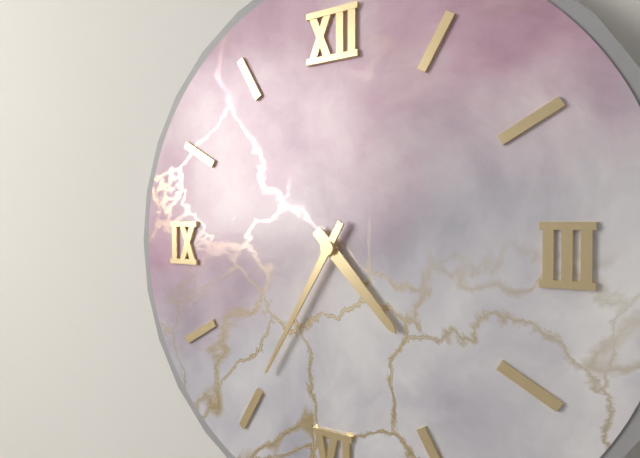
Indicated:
4 h 35 min
